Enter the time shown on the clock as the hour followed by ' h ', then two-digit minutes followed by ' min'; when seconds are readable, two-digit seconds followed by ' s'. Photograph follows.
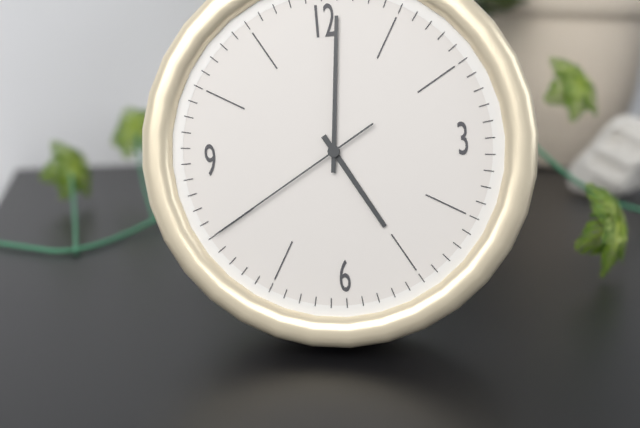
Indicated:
5 h 01 min 40 s
